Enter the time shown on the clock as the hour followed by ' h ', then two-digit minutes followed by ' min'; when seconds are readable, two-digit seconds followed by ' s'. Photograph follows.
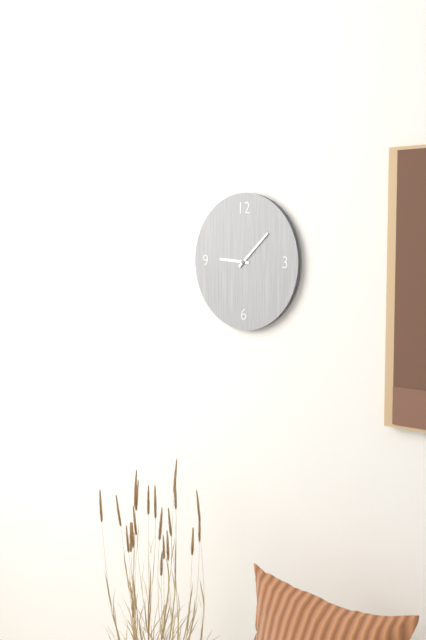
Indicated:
9 h 08 min
